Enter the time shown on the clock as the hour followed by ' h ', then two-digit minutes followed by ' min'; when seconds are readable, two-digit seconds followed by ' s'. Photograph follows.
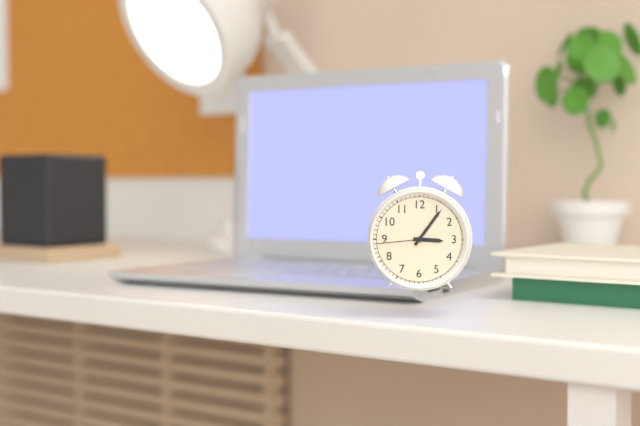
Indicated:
3 h 06 min 44 s
